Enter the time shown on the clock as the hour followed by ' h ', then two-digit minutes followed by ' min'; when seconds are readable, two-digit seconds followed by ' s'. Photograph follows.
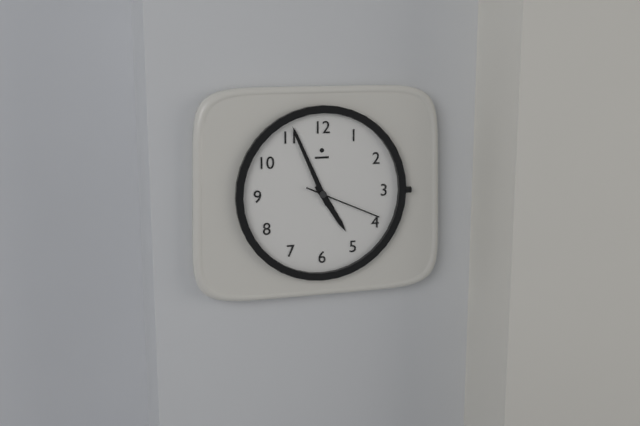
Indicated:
4 h 56 min 19 s
